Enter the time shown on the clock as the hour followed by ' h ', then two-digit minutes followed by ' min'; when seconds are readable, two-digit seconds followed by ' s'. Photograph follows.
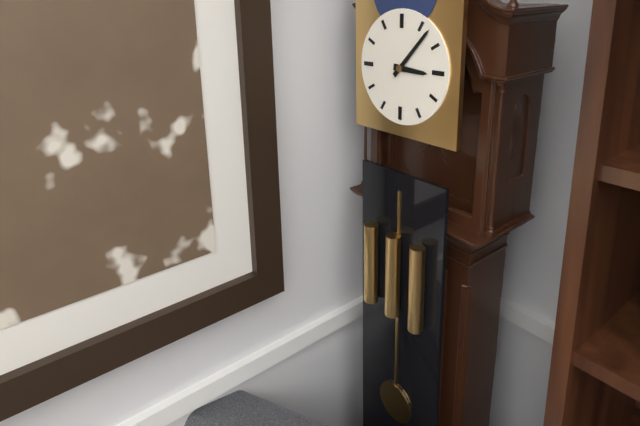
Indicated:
3 h 07 min
